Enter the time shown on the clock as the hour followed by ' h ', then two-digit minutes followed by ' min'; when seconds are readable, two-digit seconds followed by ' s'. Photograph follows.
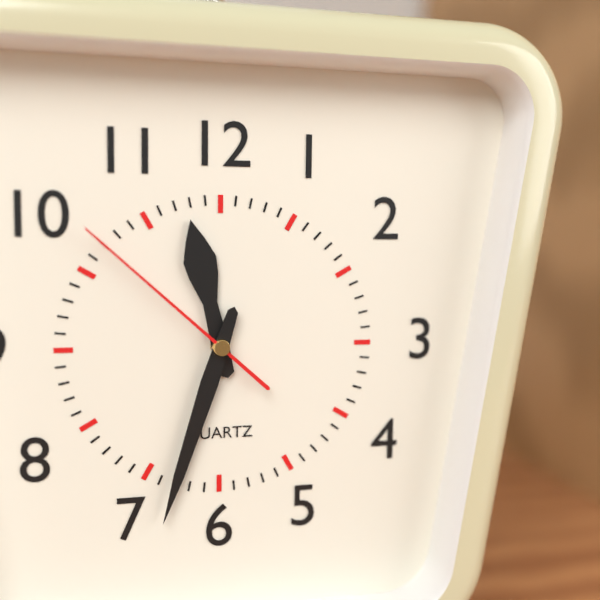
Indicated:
11 h 33 min 52 s
